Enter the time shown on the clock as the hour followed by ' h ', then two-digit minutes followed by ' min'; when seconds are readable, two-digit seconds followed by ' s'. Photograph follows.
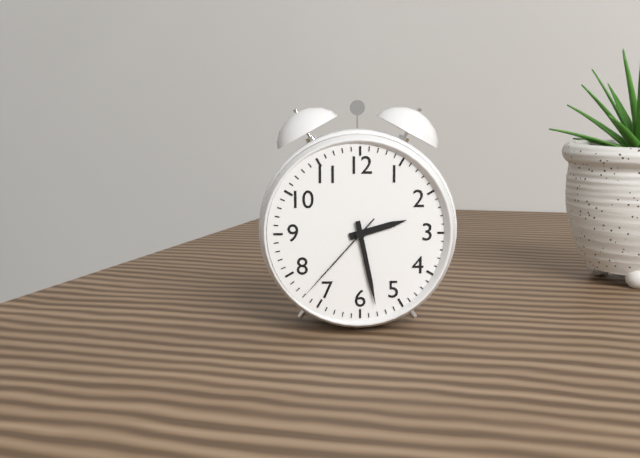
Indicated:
2 h 28 min 37 s
